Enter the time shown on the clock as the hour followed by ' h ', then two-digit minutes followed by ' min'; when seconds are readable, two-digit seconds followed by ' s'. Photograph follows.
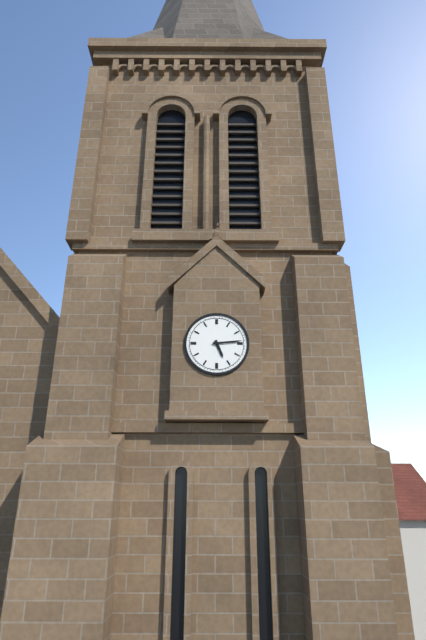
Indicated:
5 h 14 min
